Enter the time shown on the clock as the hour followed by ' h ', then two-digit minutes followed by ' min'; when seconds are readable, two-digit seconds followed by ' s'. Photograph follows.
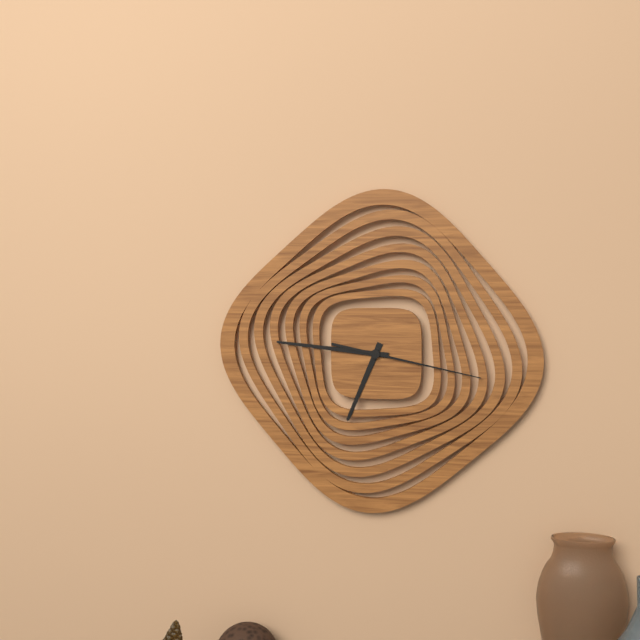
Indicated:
6 h 46 min 17 s
